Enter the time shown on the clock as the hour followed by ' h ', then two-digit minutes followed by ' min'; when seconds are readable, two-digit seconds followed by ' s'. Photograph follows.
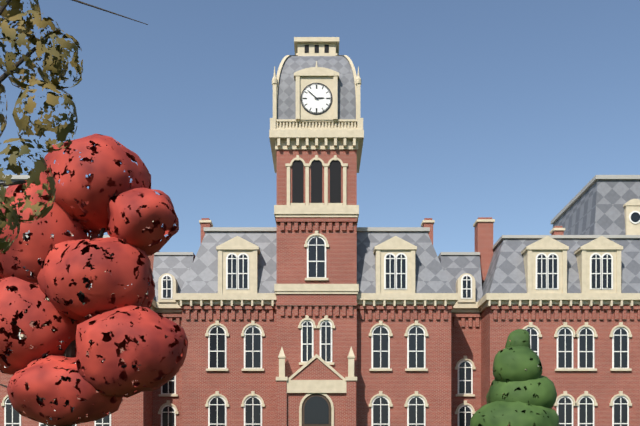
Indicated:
2 h 52 min
